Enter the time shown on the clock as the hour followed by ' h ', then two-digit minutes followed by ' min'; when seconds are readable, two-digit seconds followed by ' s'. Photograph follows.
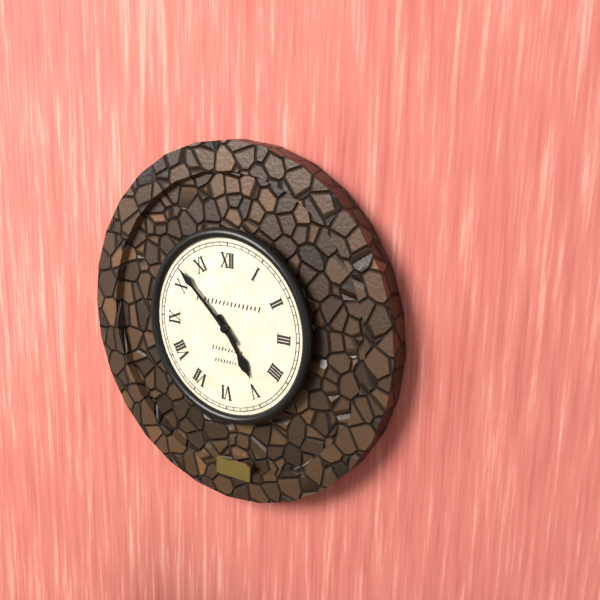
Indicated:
4 h 52 min
